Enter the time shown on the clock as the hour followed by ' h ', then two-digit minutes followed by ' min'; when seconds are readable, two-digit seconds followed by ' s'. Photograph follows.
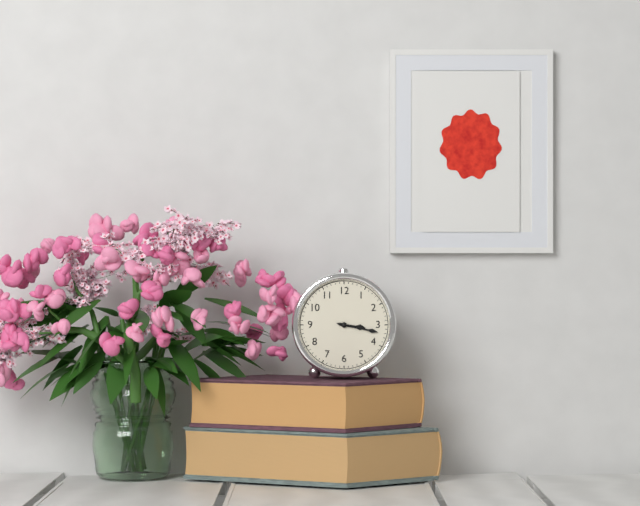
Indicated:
3 h 17 min
